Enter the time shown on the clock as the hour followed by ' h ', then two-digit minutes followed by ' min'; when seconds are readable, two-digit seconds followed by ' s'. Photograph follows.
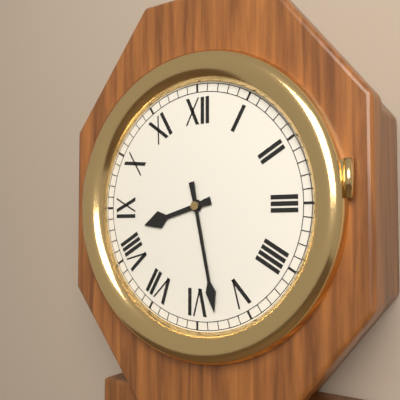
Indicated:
8 h 28 min
